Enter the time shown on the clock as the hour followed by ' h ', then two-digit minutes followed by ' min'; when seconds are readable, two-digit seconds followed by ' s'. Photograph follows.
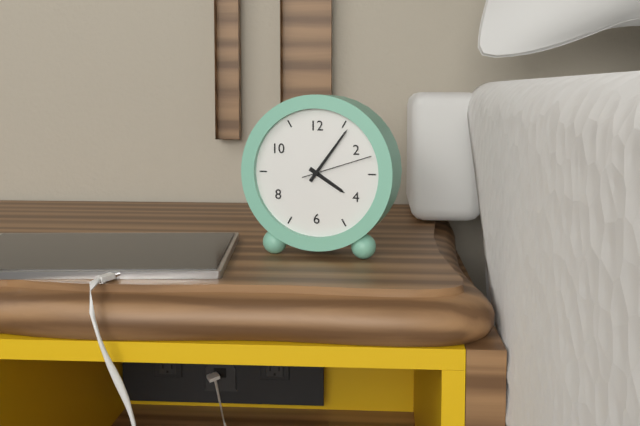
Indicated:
4 h 06 min 12 s
